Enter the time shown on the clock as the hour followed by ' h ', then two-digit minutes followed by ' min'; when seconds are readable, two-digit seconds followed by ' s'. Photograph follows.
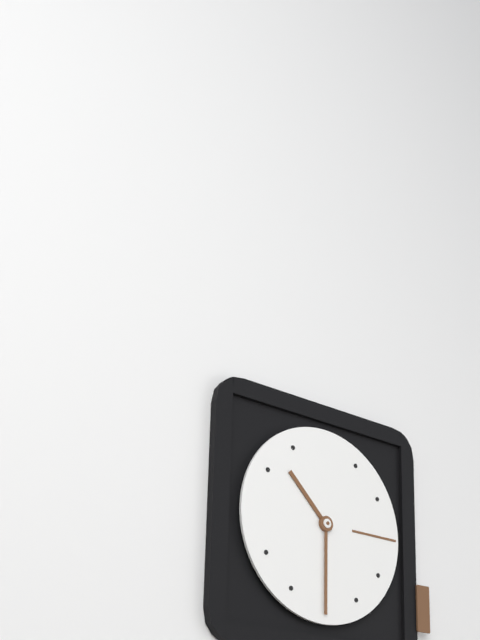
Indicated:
10 h 30 min
